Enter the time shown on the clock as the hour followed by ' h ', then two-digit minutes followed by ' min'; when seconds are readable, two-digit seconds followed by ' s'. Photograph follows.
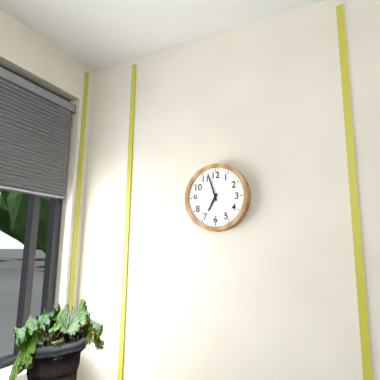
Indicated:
6 h 57 min
